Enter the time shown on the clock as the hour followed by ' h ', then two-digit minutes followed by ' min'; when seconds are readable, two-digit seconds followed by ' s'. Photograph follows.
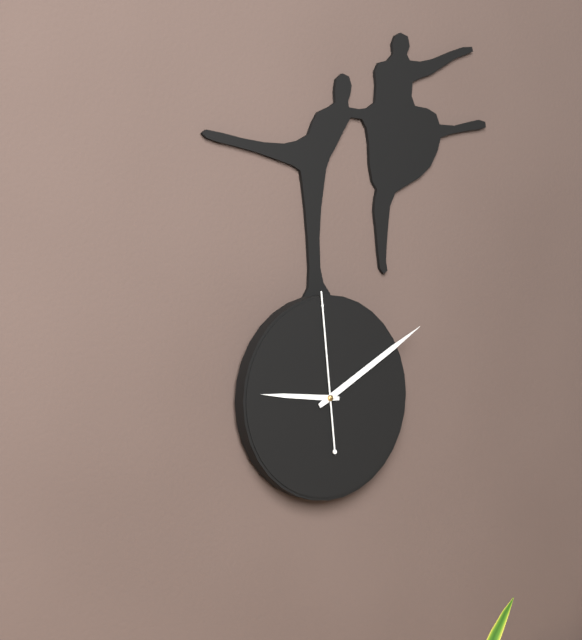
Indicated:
9 h 10 min 59 s
